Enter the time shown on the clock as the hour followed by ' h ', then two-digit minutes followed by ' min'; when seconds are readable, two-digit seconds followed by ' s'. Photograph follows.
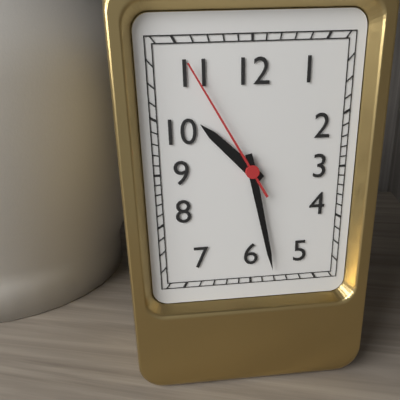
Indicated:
10 h 28 min 55 s
